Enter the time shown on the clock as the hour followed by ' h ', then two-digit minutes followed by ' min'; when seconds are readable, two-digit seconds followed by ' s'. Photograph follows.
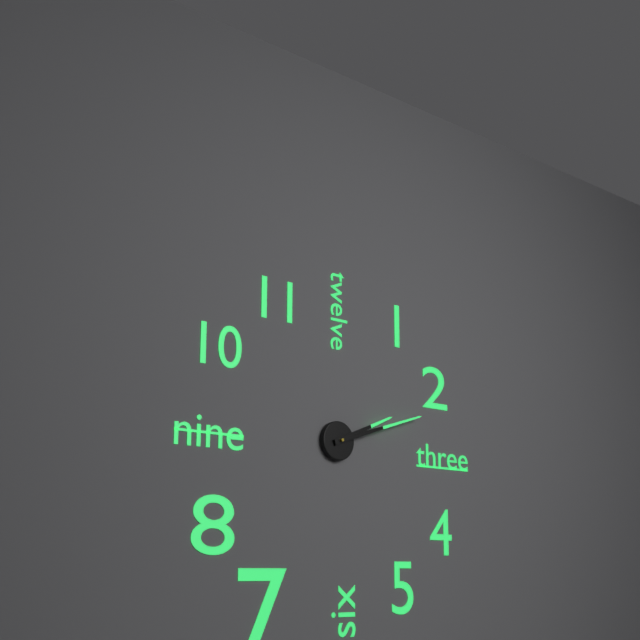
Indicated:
2 h 12 min
